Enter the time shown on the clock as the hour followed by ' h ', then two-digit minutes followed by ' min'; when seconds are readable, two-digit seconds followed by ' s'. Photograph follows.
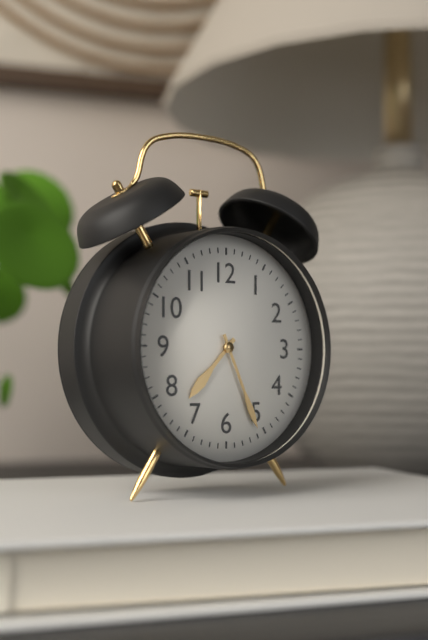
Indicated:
7 h 26 min
